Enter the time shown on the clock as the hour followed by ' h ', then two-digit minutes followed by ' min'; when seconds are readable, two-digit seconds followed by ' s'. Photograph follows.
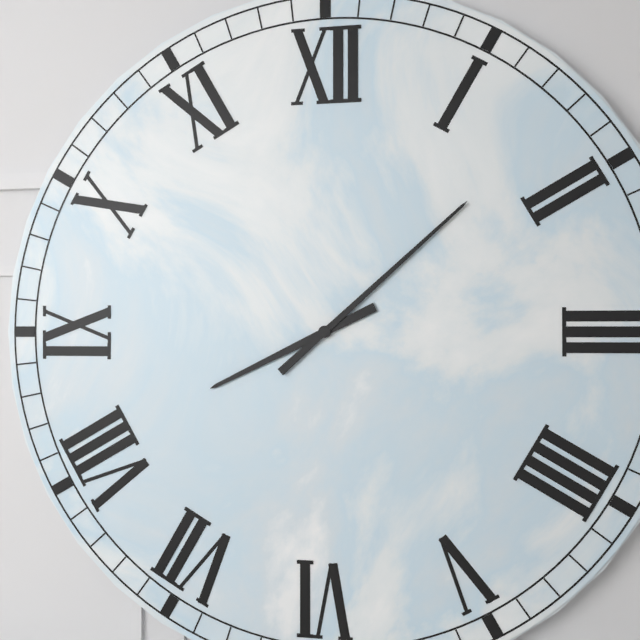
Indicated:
8 h 08 min
